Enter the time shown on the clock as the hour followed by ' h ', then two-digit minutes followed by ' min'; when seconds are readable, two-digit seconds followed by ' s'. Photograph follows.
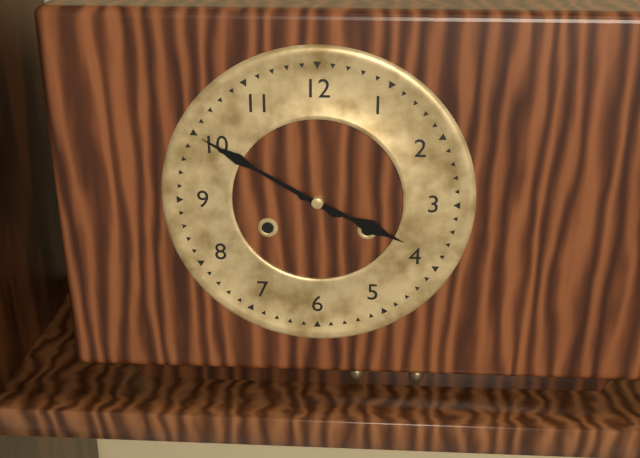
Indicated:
3 h 50 min
